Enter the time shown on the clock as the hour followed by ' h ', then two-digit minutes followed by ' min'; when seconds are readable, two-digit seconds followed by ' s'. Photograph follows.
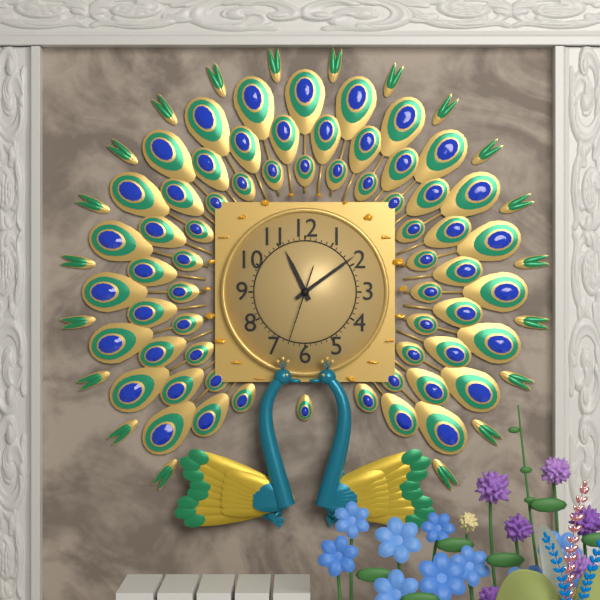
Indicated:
11 h 09 min 33 s
